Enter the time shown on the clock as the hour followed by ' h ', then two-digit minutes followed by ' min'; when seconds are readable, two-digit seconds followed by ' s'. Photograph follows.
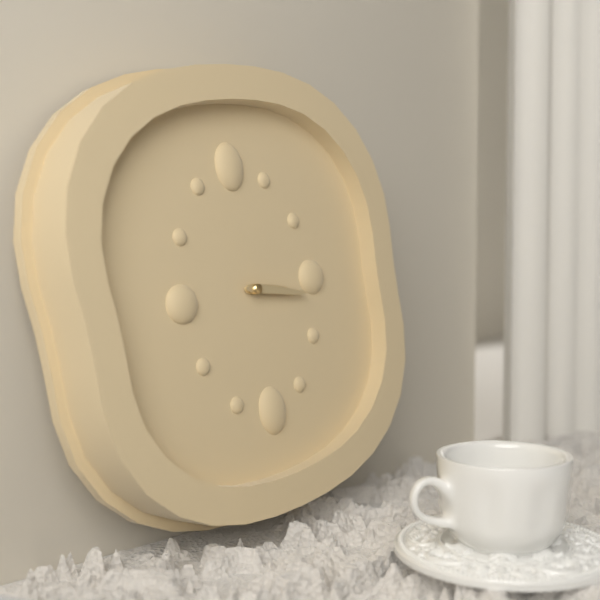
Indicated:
3 h 17 min
